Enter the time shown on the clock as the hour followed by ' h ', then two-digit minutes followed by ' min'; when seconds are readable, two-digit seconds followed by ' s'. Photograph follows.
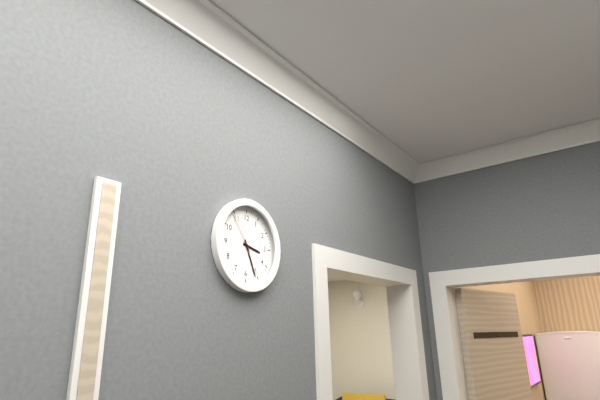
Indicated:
3 h 26 min
